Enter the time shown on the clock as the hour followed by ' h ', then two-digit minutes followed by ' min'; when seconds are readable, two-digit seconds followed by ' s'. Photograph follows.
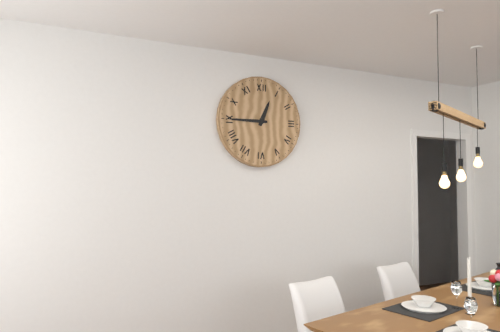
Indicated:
12 h 45 min
